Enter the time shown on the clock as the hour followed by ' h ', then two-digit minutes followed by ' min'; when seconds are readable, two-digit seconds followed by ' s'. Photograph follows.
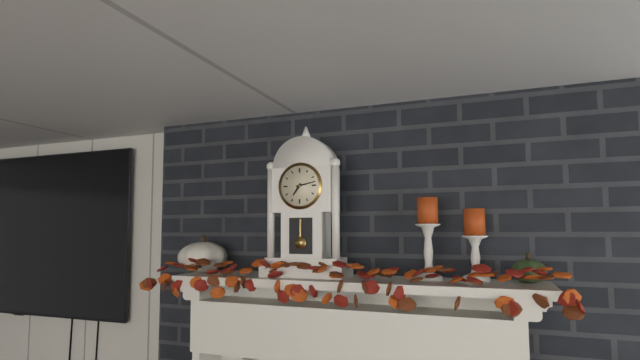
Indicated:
7 h 13 min
